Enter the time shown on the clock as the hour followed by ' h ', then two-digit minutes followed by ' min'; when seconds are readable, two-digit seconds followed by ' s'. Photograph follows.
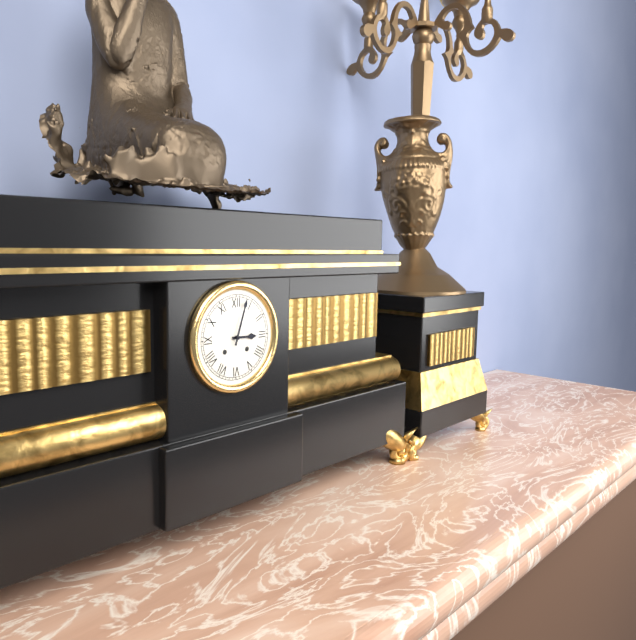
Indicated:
3 h 03 min
